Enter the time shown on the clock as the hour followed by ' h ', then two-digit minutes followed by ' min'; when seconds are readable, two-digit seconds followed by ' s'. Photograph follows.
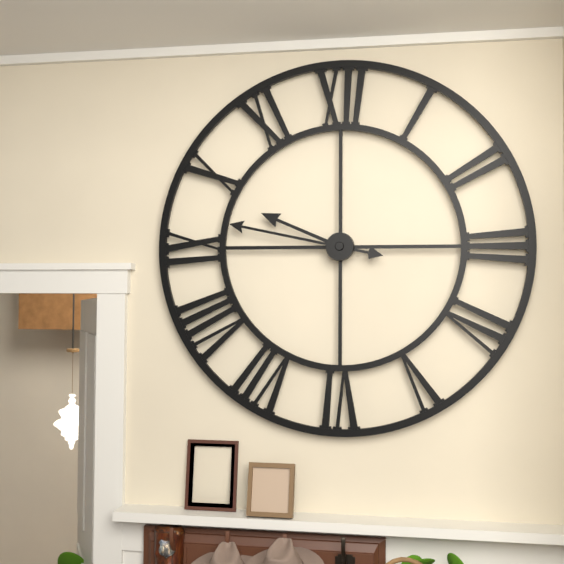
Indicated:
9 h 47 min
